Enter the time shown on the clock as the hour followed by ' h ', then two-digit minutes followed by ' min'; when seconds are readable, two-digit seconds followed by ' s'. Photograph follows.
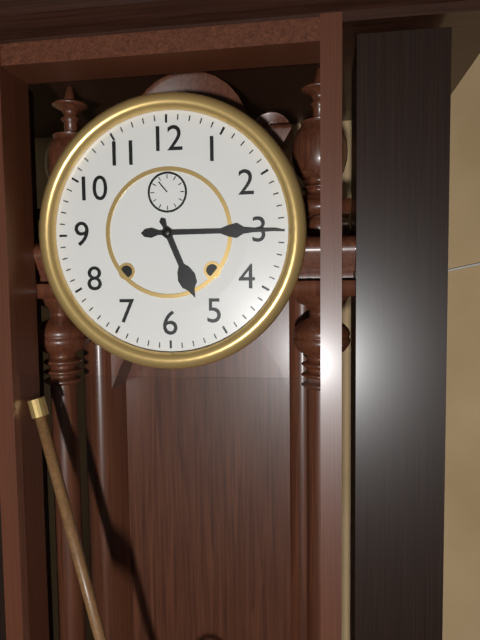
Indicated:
5 h 15 min
